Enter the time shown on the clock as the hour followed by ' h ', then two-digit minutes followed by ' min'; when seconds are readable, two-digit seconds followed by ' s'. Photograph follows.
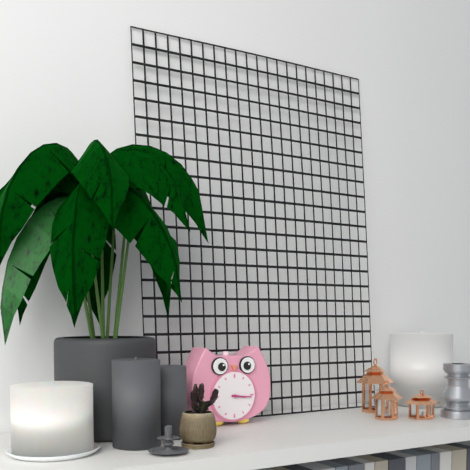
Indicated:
3 h 16 min
